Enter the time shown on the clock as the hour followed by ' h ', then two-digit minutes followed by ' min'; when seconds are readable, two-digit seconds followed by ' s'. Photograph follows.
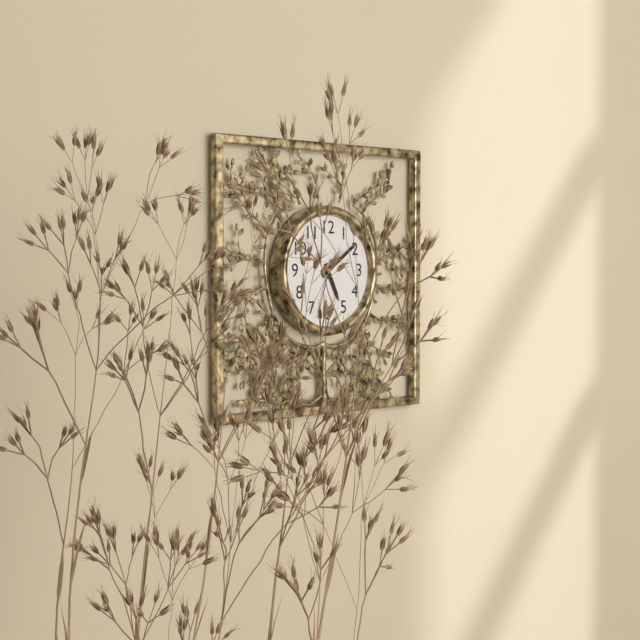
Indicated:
5 h 09 min 33 s
